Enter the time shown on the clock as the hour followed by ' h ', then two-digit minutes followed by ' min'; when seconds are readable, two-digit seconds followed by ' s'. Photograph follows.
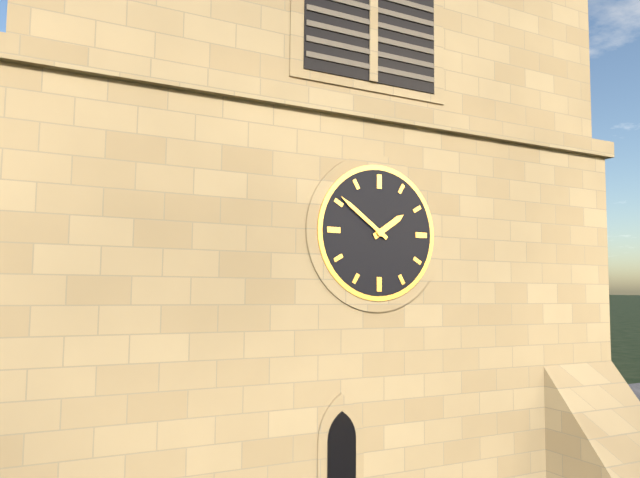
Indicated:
1 h 51 min
